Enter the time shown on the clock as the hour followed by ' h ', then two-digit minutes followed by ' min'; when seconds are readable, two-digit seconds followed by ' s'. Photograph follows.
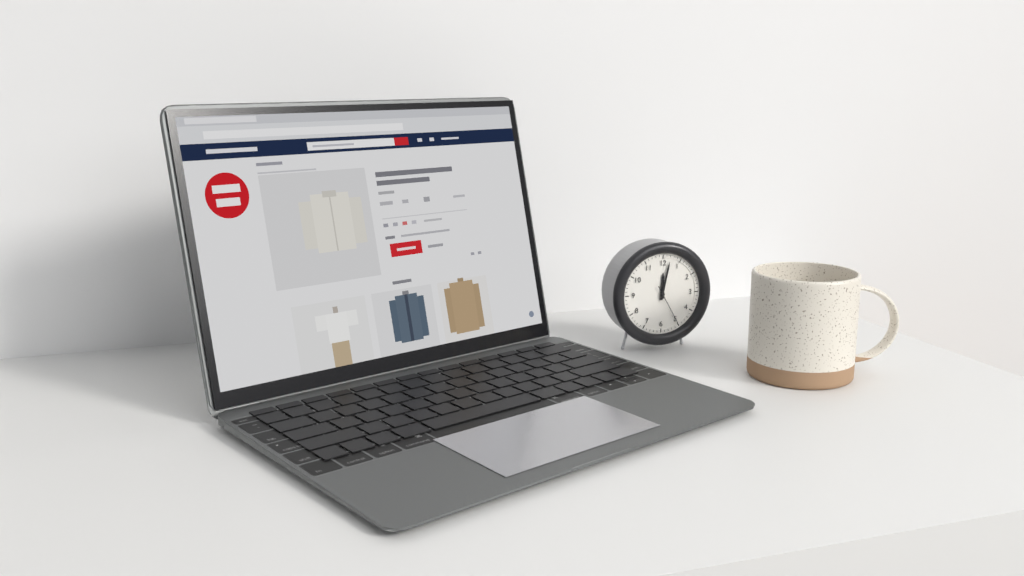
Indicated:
12 h 02 min
